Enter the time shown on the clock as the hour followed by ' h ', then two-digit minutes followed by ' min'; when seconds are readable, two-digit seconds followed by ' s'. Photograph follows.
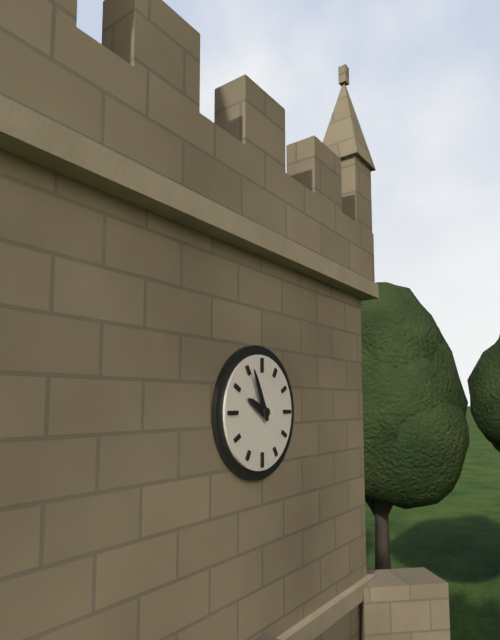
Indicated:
9 h 56 min
